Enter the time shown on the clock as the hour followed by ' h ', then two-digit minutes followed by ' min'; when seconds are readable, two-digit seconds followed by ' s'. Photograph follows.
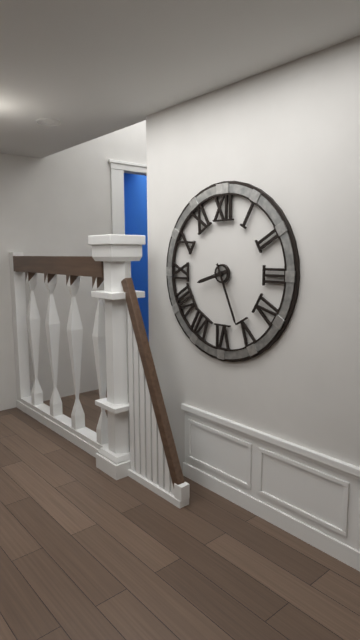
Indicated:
8 h 26 min
